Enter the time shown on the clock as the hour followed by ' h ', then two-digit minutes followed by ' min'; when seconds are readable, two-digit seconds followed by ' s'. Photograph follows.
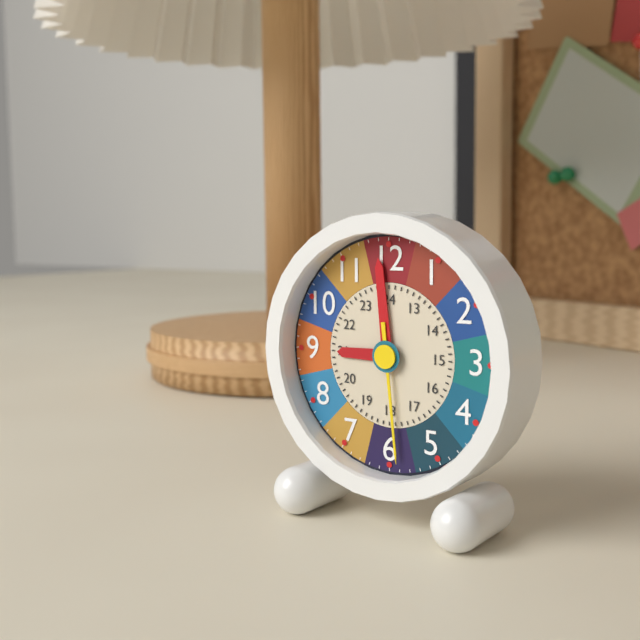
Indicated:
8 h 59 min 29 s
